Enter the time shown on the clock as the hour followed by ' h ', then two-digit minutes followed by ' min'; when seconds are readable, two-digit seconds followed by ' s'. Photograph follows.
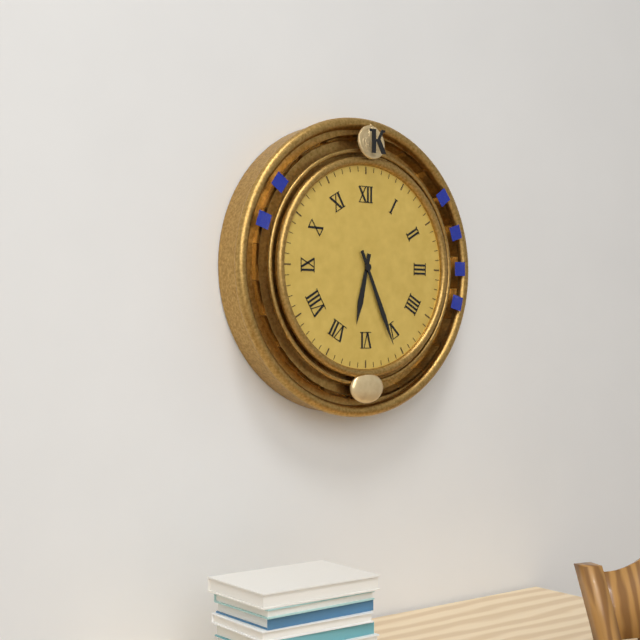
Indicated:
6 h 26 min
